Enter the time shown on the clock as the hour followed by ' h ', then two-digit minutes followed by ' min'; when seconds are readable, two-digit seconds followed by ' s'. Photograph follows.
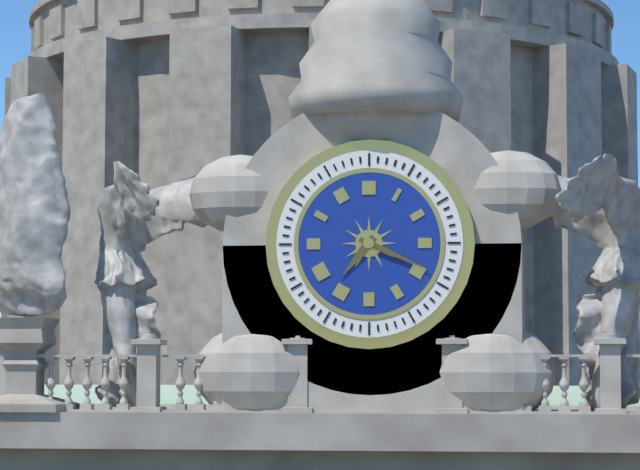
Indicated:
7 h 19 min
